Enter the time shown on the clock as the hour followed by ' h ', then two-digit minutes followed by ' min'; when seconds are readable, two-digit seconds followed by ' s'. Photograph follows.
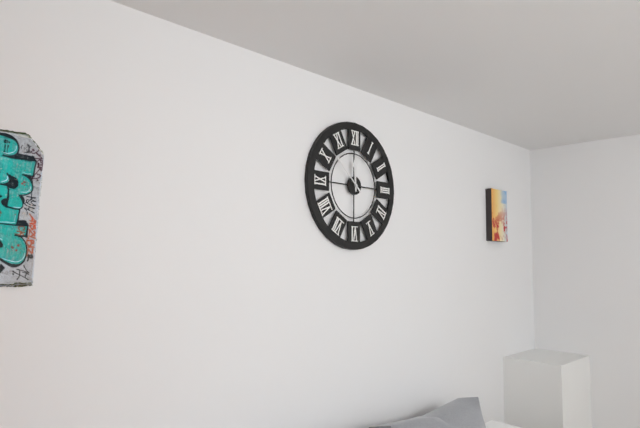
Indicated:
11 h 52 min
